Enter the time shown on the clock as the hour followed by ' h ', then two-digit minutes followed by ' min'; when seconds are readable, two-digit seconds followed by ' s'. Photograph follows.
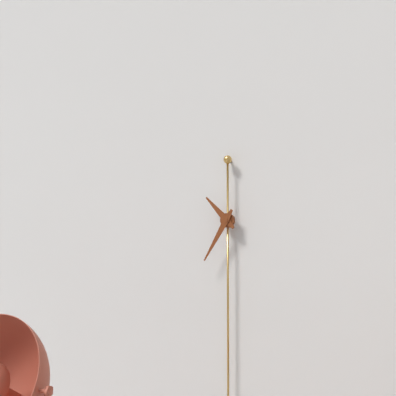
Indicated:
10 h 35 min
